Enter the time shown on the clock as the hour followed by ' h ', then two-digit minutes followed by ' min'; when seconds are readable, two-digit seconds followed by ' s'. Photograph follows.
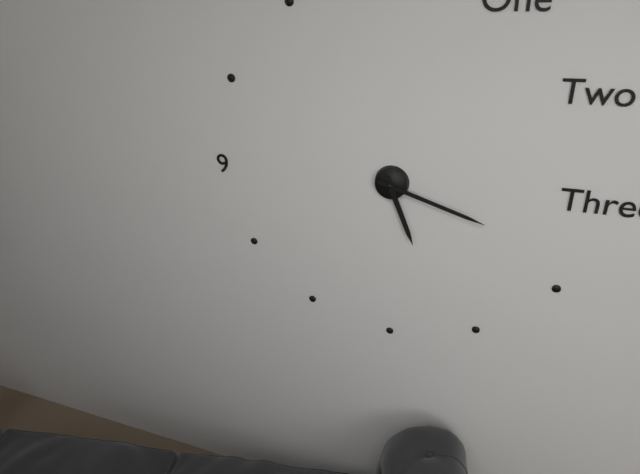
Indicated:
5 h 18 min
